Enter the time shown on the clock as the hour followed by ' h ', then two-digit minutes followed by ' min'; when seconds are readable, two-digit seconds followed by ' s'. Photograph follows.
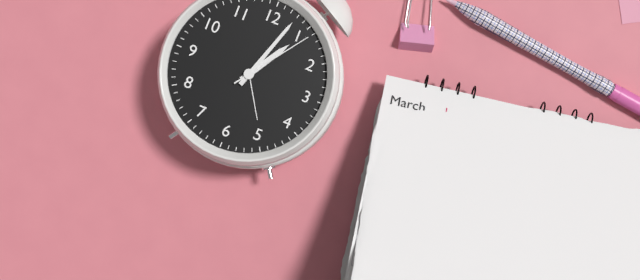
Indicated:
1 h 03 min 06 s
